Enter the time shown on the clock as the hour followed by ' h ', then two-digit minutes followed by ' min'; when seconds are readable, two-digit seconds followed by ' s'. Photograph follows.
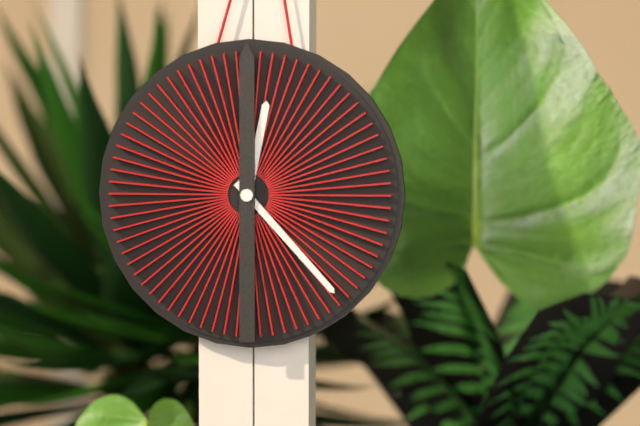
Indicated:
12 h 23 min 00 s
